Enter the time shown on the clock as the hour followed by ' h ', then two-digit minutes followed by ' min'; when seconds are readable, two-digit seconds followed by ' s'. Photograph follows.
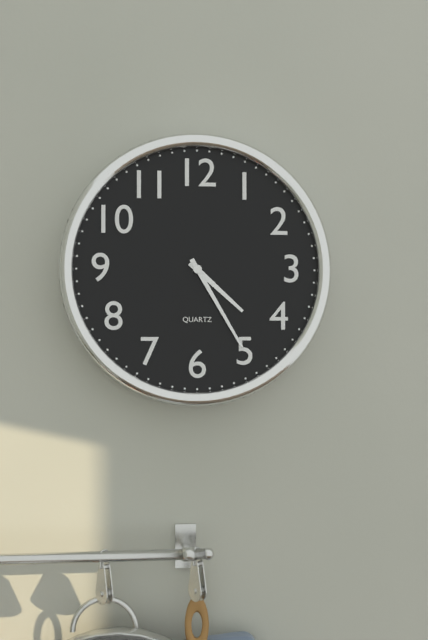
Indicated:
4 h 25 min
